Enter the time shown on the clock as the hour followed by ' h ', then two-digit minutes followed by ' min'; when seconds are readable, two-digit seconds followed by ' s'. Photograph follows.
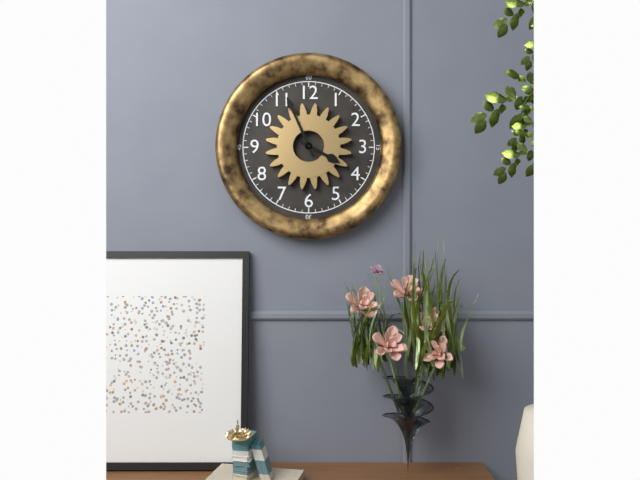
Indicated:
3 h 56 min
